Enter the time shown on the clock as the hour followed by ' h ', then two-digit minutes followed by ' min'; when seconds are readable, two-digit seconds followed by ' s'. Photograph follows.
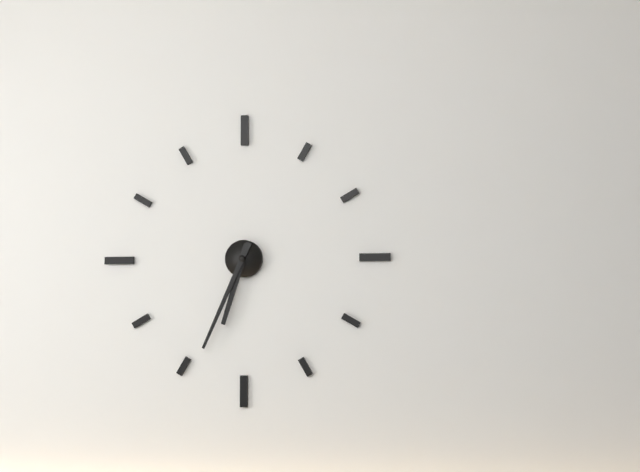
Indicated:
6 h 34 min
